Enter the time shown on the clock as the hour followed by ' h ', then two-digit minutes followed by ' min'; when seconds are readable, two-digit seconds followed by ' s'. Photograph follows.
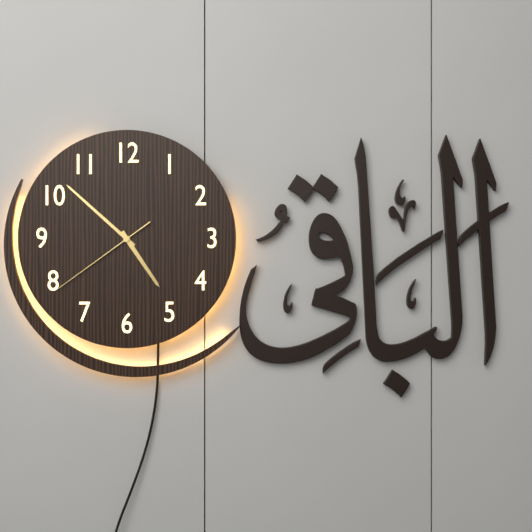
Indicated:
4 h 52 min 39 s
